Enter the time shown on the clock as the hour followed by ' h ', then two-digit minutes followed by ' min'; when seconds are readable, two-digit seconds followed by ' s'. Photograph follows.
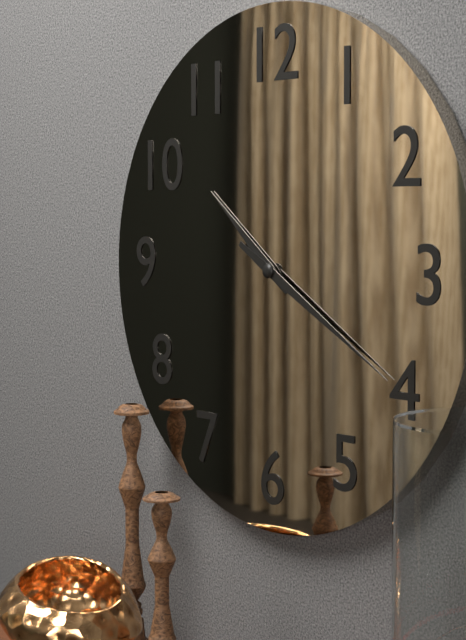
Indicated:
10 h 20 min
